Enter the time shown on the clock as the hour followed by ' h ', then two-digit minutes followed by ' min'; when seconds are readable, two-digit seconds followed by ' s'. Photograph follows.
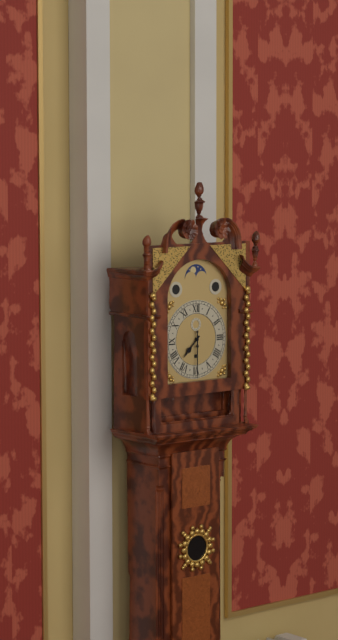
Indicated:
7 h 30 min
